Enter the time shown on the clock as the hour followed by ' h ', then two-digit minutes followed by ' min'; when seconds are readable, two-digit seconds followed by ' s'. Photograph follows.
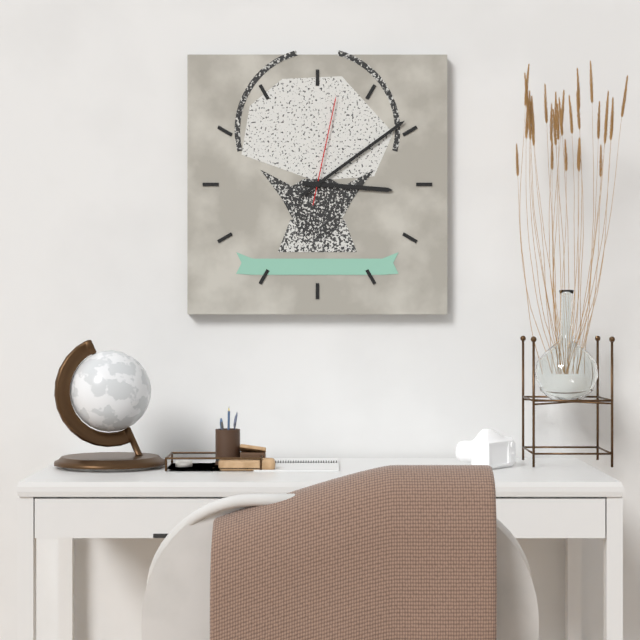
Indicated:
3 h 09 min 02 s
